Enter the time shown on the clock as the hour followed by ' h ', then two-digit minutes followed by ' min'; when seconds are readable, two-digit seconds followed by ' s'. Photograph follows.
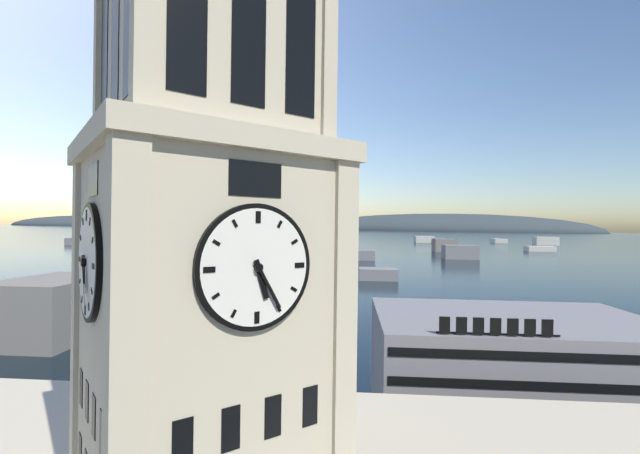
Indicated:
5 h 25 min
